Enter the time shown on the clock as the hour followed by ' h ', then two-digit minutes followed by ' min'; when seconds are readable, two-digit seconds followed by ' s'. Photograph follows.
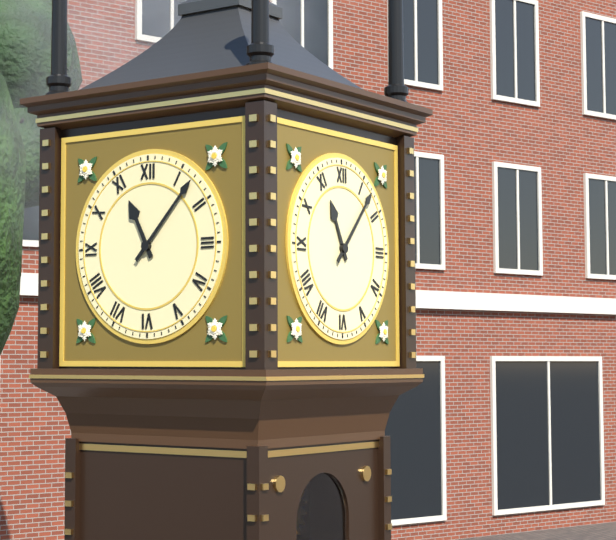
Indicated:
11 h 07 min
